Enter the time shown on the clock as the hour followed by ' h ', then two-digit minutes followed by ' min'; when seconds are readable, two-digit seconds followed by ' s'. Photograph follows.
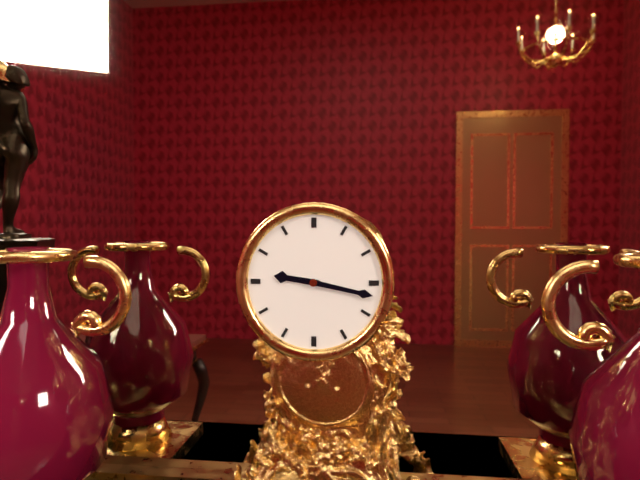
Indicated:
9 h 17 min
